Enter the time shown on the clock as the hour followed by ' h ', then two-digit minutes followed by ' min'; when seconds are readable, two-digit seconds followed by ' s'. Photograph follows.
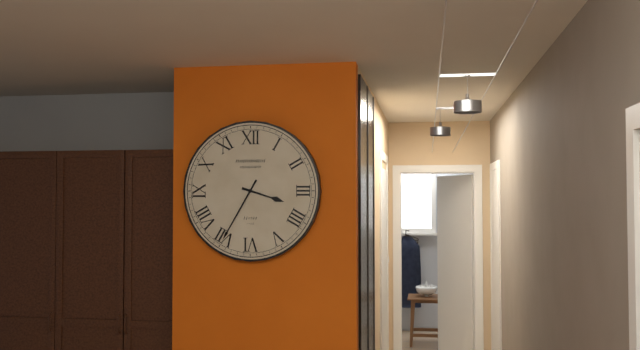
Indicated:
3 h 35 min
